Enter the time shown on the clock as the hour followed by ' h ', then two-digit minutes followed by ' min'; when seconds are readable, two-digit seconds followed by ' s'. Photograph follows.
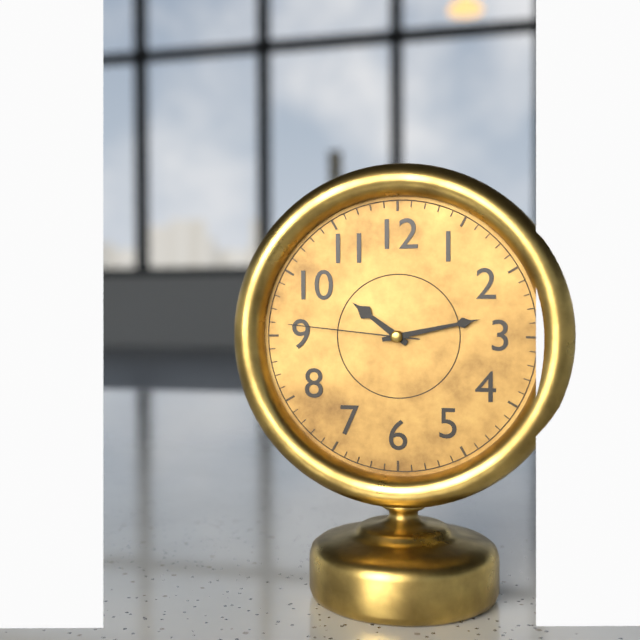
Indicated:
10 h 13 min 46 s
